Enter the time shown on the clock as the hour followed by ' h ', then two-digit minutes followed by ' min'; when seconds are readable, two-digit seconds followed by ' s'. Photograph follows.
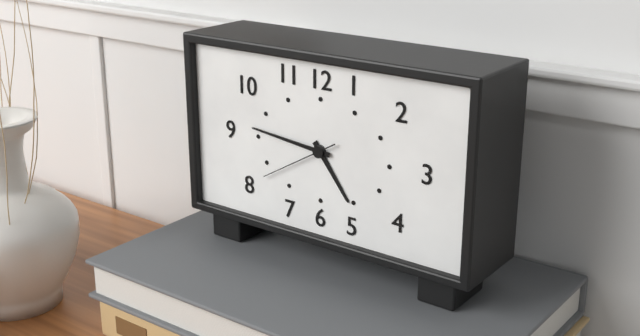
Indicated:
4 h 46 min 40 s
